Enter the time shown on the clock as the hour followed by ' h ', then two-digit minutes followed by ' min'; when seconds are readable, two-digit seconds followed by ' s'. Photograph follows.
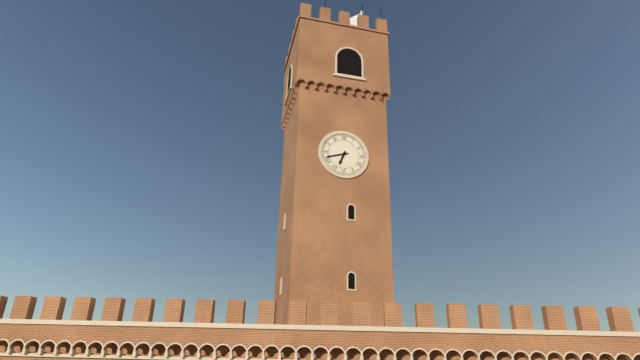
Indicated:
6 h 42 min
